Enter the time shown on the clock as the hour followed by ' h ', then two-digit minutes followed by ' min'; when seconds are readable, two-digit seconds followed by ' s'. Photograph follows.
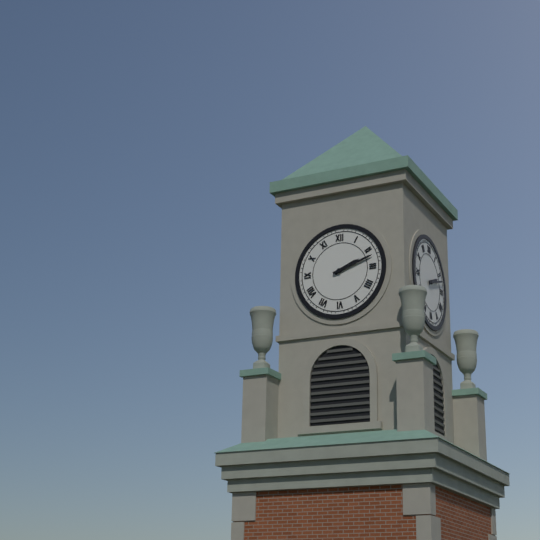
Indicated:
2 h 12 min
